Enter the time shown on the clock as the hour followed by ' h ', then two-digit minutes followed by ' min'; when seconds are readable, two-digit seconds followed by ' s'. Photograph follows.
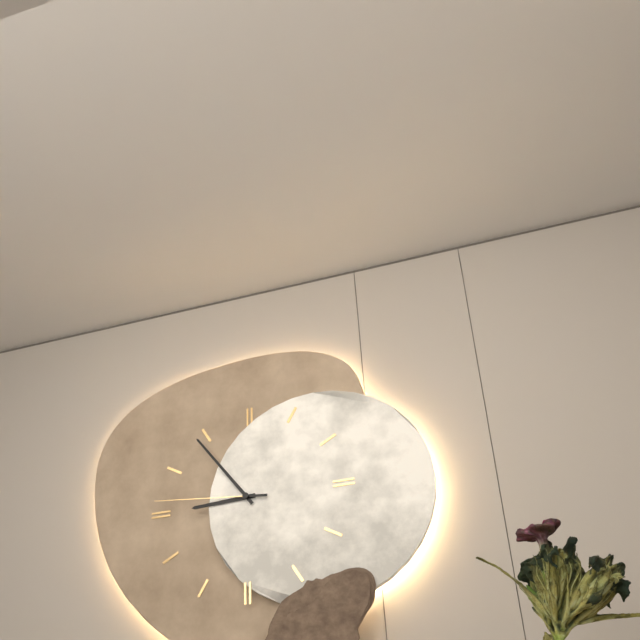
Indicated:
8 h 54 min 46 s
